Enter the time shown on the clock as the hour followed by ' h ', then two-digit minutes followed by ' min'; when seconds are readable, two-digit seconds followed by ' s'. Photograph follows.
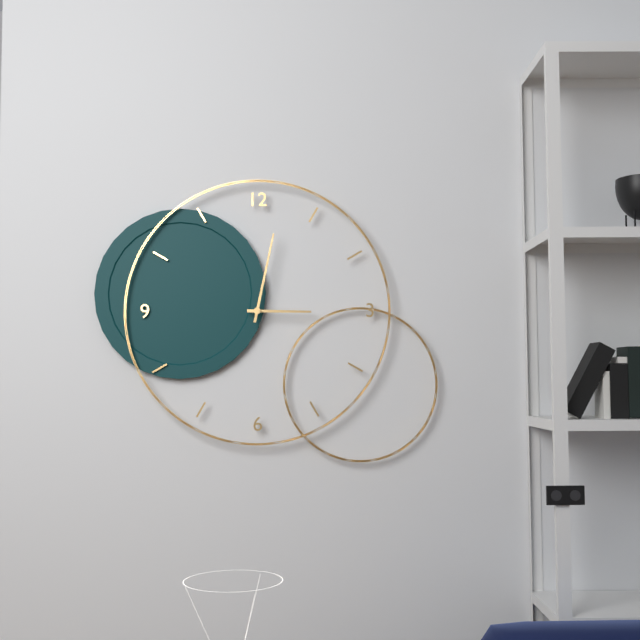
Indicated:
3 h 02 min
